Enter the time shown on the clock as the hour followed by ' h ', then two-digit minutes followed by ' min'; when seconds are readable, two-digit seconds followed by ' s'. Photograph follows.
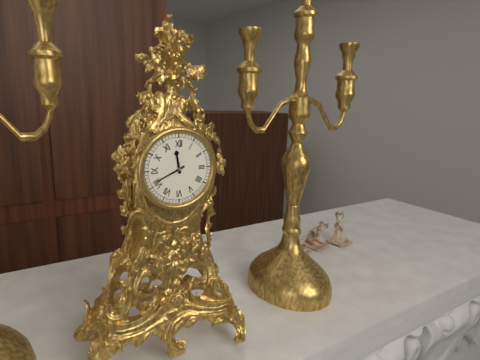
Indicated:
11 h 41 min
